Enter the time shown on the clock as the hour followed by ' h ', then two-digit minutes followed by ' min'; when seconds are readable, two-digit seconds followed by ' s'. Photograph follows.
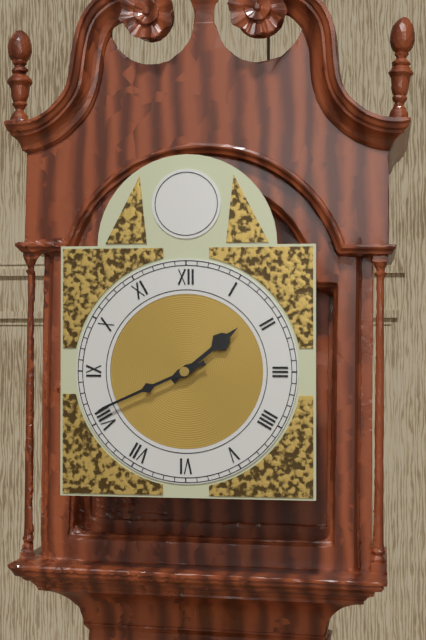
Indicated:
1 h 41 min
